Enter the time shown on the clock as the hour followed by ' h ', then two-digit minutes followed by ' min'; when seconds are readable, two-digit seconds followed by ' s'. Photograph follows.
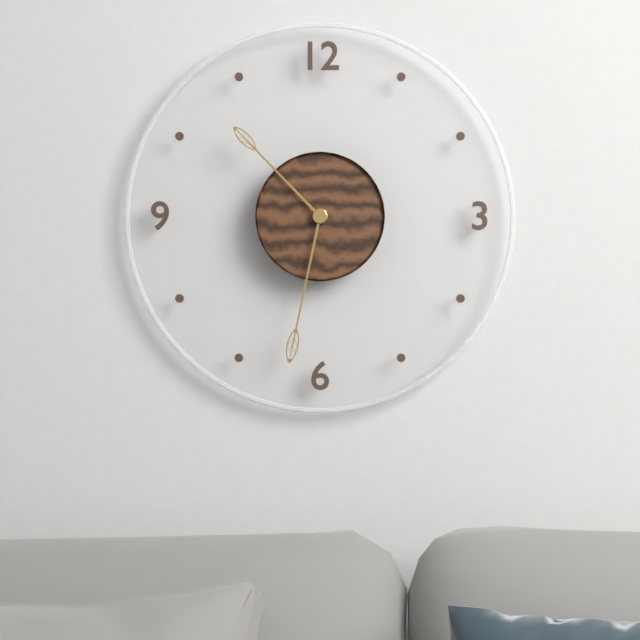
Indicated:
10 h 32 min
